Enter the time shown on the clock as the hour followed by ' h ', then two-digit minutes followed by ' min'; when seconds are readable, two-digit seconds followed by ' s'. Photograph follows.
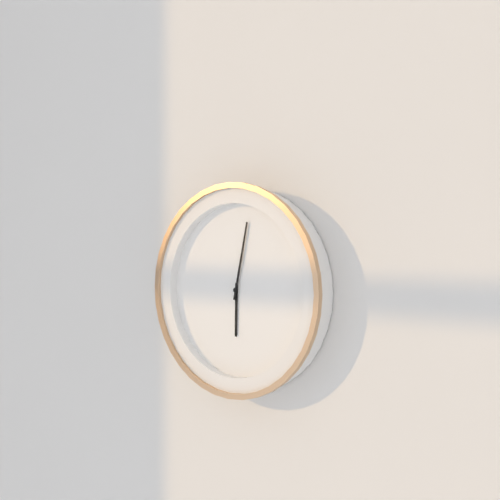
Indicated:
6 h 02 min
